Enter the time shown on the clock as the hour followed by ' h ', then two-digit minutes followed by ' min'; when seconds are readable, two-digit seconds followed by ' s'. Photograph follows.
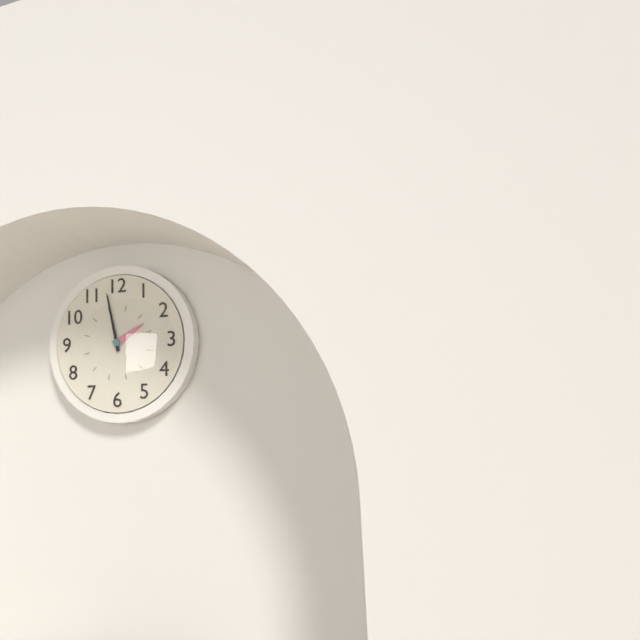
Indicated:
1 h 58 min
